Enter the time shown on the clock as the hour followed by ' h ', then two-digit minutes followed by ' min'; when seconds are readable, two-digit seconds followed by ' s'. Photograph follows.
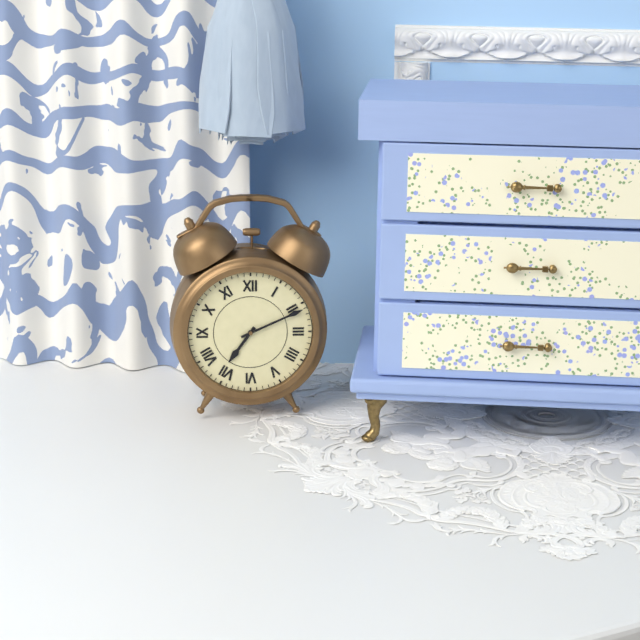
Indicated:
7 h 11 min
